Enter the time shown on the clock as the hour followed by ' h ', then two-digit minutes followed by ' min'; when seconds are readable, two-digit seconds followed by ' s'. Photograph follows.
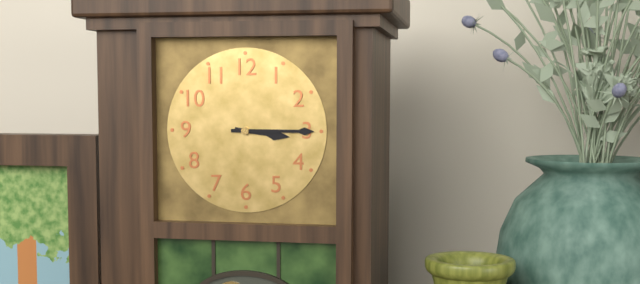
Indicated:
3 h 15 min
